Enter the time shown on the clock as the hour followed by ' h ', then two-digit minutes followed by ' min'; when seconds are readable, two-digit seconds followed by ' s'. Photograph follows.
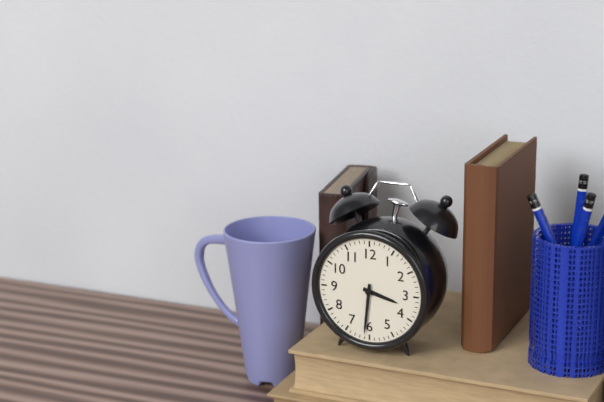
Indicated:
3 h 31 min
